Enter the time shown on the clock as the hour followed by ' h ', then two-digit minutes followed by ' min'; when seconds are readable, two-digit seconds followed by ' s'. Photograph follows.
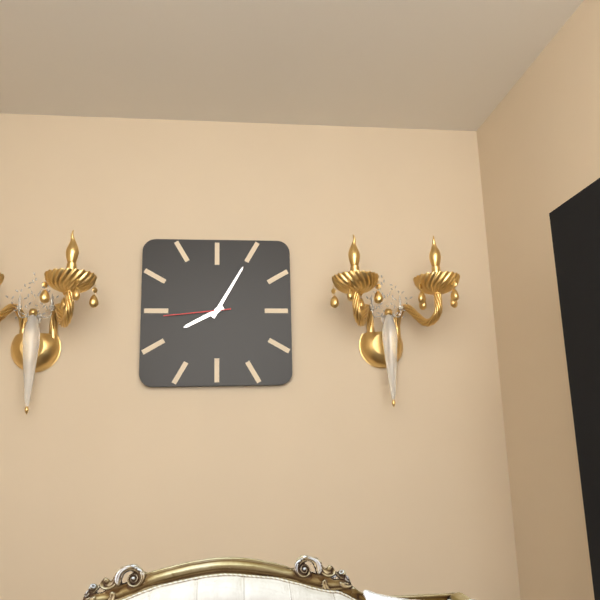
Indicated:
8 h 05 min 44 s
